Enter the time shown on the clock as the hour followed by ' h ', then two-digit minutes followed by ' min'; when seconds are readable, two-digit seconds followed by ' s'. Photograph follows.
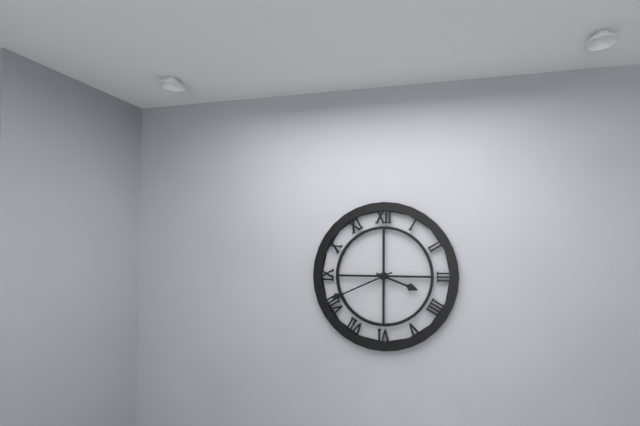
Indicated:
3 h 41 min
